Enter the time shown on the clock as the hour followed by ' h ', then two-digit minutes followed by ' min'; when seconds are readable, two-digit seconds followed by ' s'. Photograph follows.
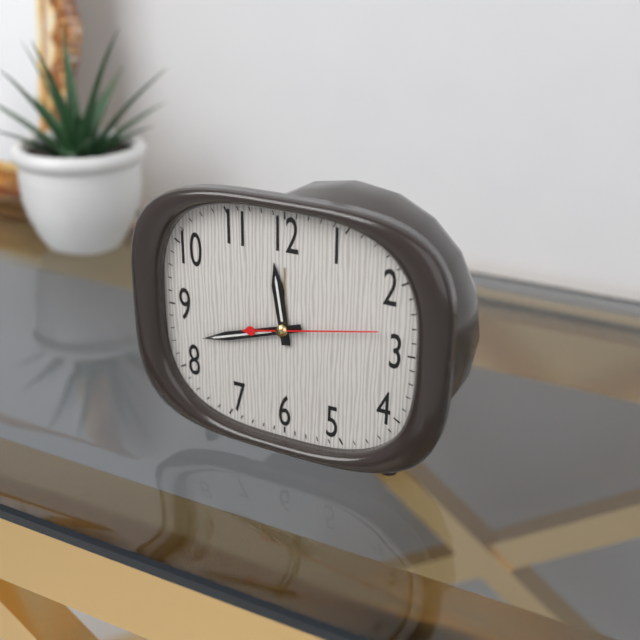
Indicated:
11 h 42 min 13 s
